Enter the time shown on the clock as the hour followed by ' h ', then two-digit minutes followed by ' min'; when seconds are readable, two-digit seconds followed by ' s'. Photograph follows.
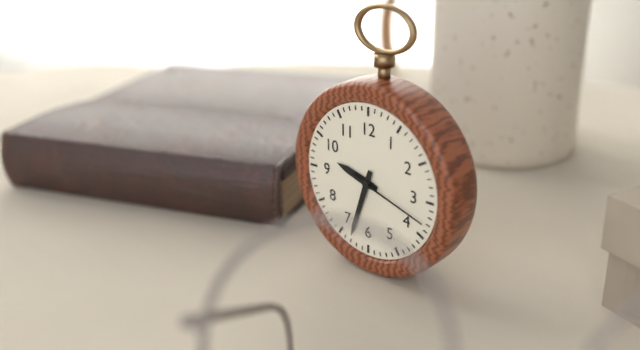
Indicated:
9 h 33 min 18 s
